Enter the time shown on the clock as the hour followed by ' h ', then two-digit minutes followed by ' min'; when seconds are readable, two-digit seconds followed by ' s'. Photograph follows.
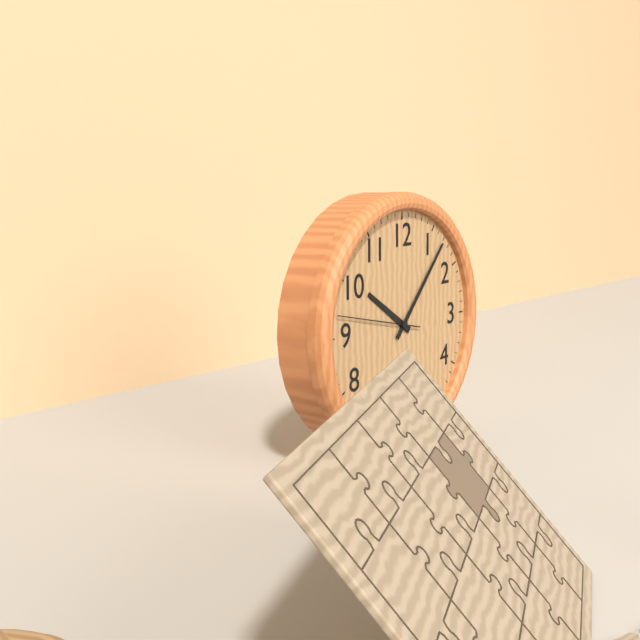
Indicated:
10 h 07 min 47 s
